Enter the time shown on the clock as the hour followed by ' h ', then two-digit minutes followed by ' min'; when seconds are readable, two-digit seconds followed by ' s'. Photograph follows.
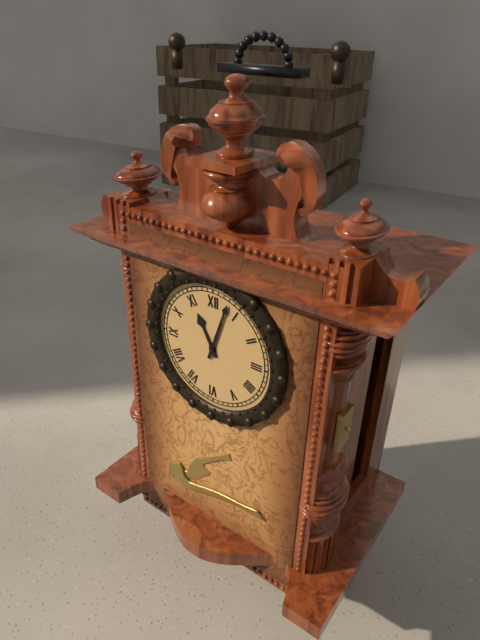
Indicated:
11 h 03 min
